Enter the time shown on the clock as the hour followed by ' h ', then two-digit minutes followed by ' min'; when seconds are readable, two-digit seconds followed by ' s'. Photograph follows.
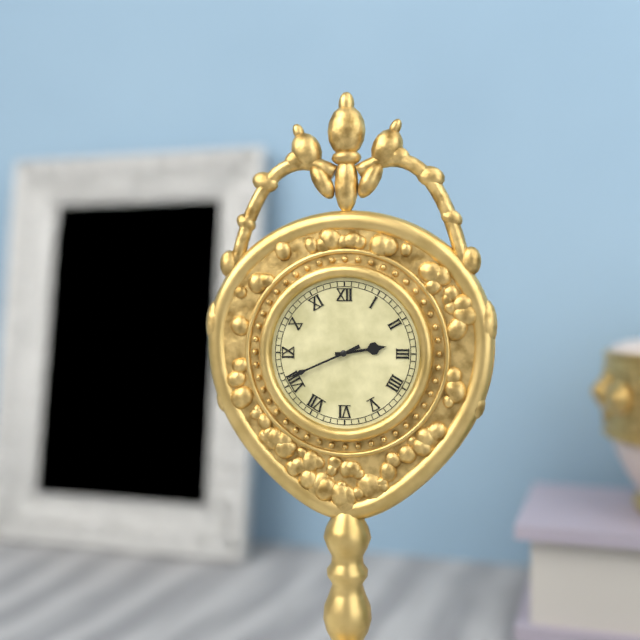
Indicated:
2 h 41 min
